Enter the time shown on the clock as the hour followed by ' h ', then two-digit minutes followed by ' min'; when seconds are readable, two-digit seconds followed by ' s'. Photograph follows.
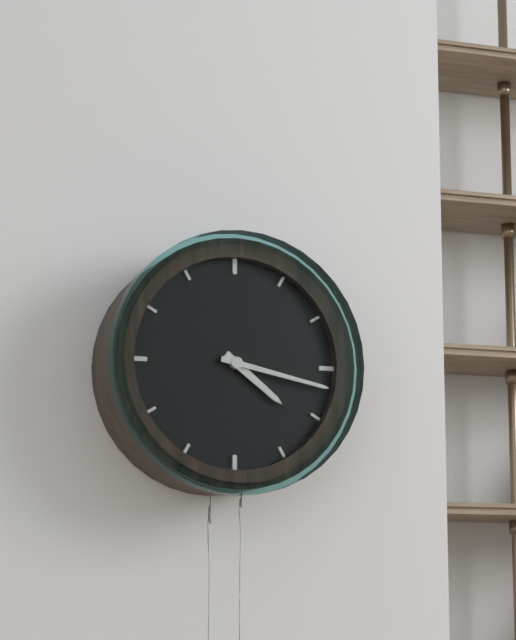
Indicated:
4 h 17 min
